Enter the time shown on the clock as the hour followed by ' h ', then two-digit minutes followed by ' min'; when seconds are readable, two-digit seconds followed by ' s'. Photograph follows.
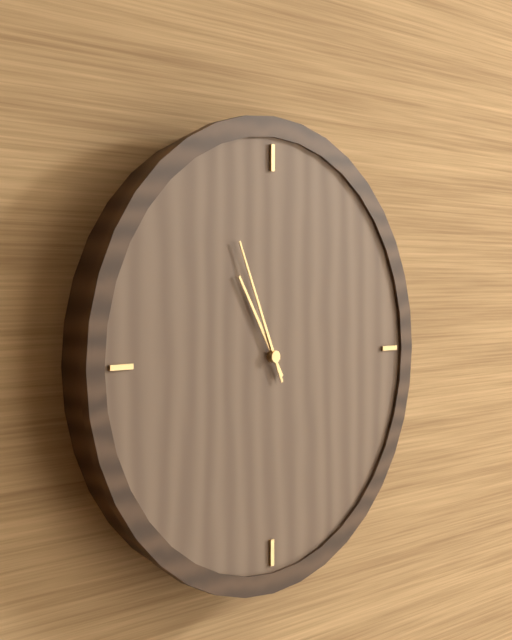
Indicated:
10 h 56 min
